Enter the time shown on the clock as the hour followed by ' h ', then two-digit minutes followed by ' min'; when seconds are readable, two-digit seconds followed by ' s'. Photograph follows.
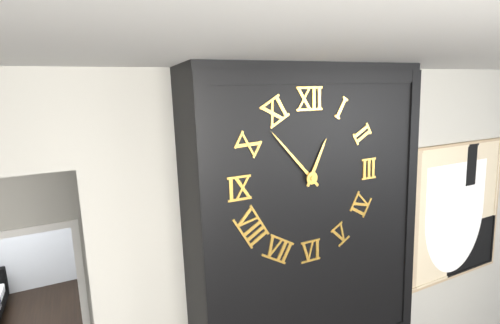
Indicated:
12 h 53 min
